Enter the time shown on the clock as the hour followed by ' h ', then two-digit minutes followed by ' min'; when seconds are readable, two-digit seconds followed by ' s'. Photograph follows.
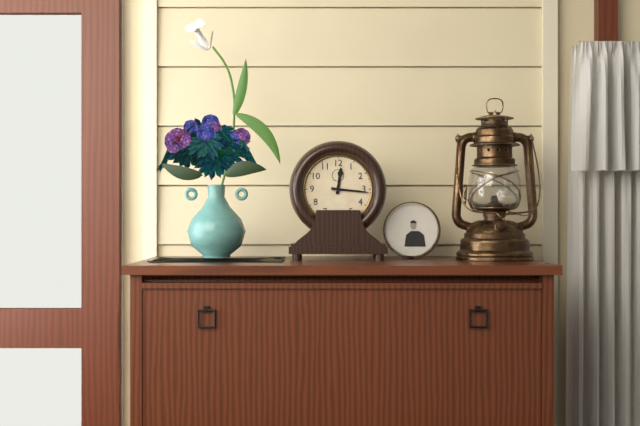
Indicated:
12 h 16 min
